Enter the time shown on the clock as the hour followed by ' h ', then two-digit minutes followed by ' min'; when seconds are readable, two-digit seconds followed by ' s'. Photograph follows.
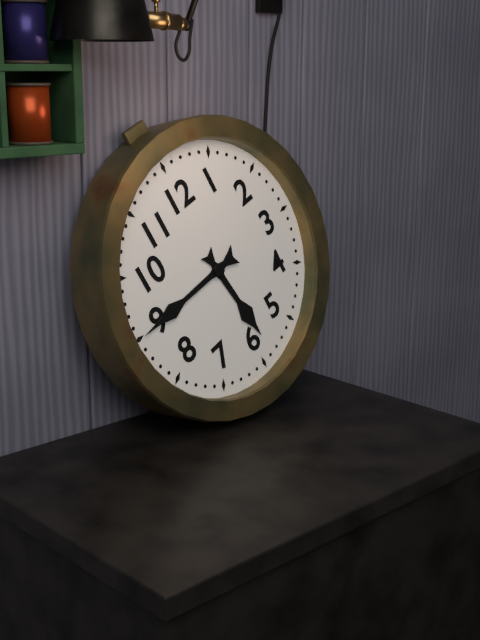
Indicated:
5 h 45 min
